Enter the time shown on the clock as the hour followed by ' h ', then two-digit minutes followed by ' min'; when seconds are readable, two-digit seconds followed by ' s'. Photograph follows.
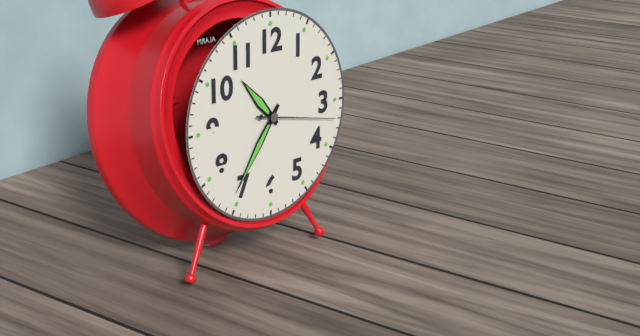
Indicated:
10 h 36 min 17 s
